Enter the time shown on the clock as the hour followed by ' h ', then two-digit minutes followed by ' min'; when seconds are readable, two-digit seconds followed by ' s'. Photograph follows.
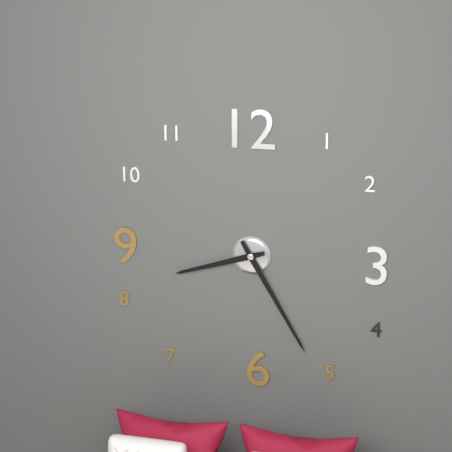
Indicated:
8 h 25 min
